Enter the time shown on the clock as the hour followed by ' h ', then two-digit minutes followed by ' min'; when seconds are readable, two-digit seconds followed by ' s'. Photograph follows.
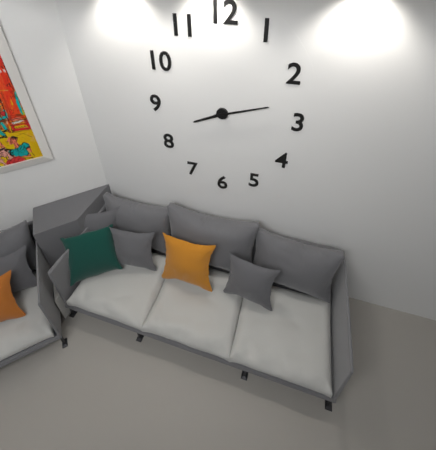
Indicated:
8 h 12 min
